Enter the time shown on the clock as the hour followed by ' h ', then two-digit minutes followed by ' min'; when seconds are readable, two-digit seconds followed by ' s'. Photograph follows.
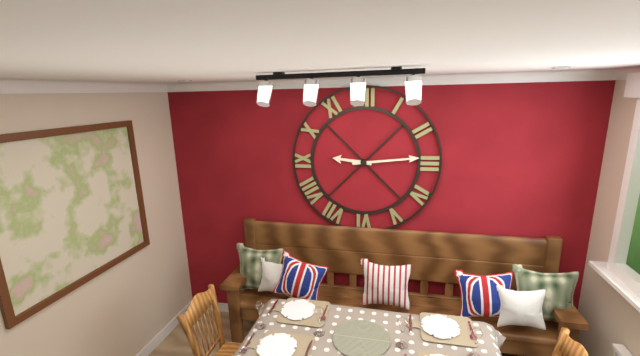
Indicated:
9 h 14 min
